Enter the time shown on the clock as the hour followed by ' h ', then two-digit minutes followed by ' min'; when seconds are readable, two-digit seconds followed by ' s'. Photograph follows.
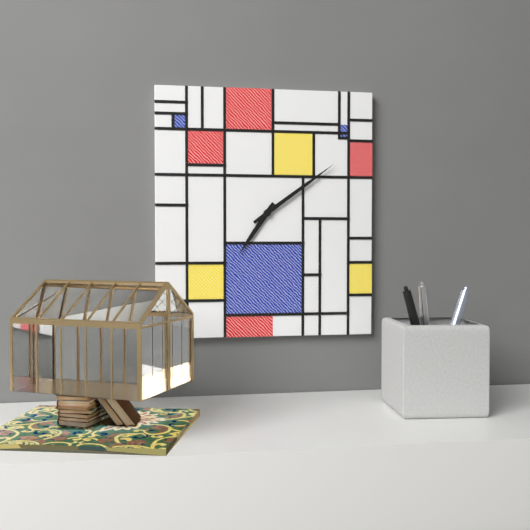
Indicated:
7 h 09 min
